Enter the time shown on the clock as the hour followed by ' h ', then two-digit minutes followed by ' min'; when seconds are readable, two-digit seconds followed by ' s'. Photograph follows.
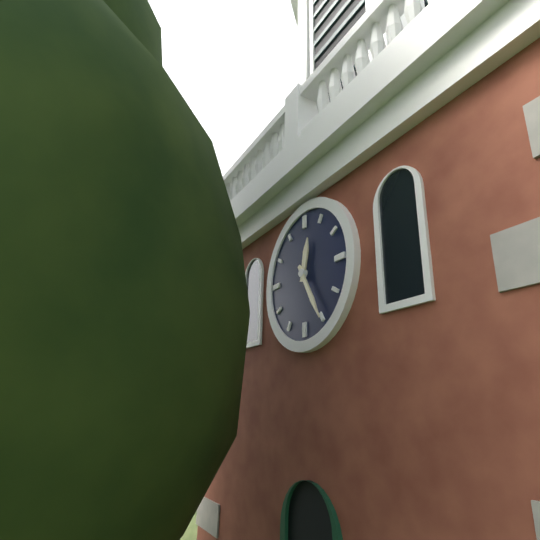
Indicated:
12 h 25 min
